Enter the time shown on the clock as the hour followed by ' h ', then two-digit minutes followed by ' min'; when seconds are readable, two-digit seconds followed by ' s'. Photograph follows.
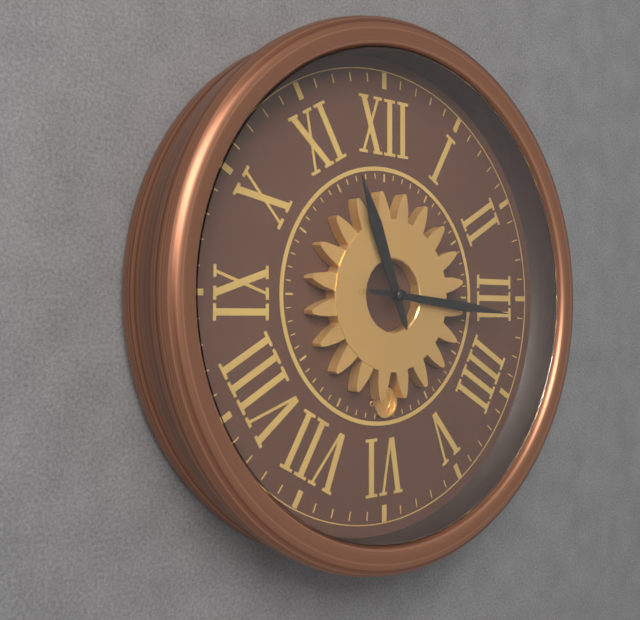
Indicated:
11 h 16 min
